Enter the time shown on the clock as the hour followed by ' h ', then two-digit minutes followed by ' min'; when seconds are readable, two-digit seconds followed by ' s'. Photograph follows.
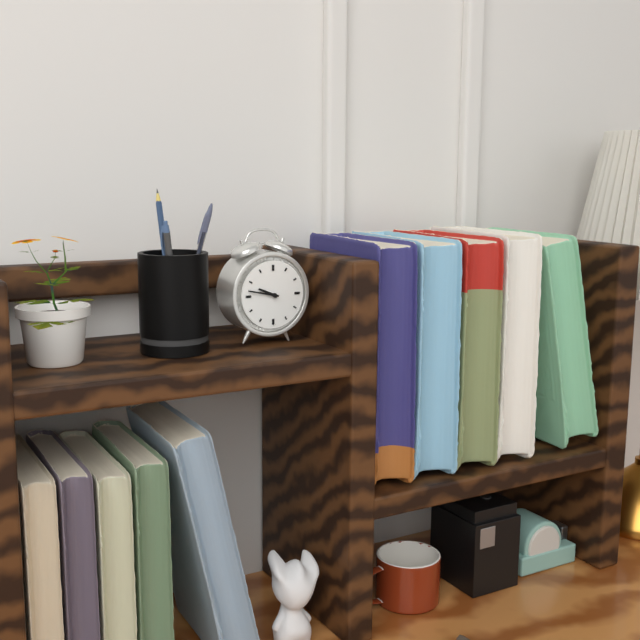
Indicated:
9 h 47 min
